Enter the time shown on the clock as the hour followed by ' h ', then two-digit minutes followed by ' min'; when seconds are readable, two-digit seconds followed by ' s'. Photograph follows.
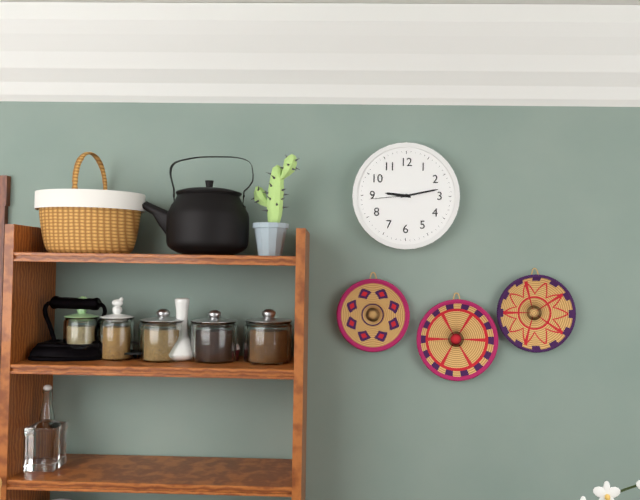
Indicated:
9 h 13 min
